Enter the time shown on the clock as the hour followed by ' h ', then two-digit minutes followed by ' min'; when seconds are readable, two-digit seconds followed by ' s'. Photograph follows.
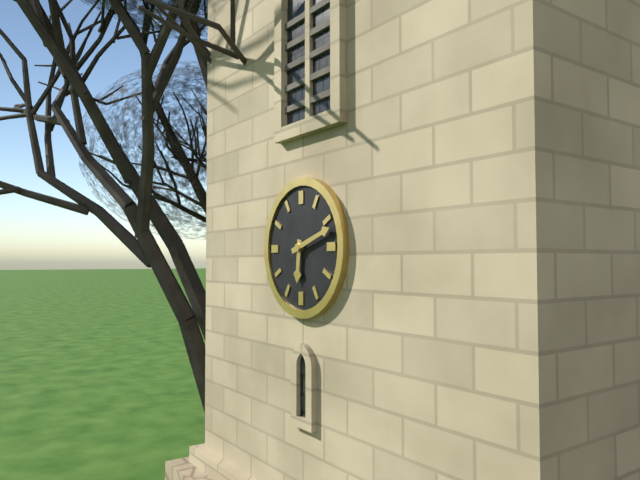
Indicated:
6 h 12 min
